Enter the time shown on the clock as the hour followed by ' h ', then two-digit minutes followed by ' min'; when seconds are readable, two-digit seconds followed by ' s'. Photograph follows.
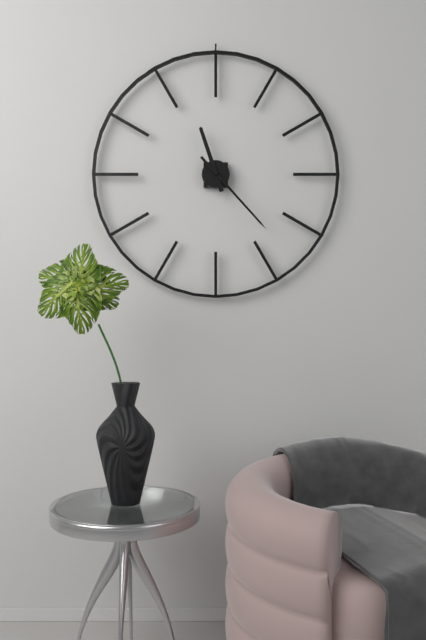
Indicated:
11 h 23 min
